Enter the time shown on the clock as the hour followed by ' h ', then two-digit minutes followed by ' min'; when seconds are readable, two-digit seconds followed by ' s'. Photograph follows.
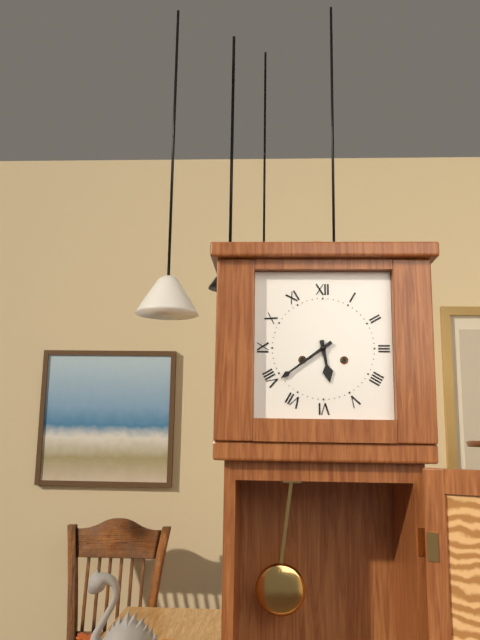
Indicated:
5 h 39 min
